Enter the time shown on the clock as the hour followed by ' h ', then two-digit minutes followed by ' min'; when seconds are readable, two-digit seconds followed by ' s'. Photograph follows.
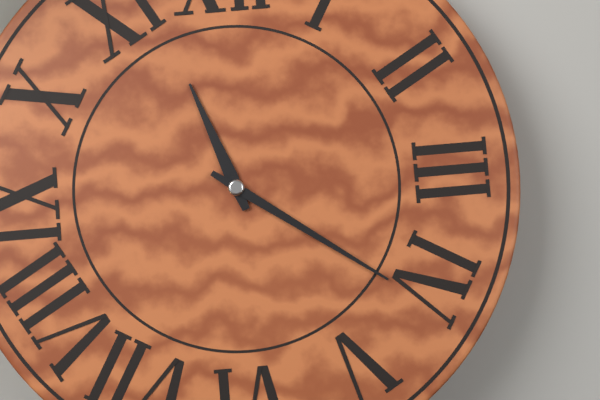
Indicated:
11 h 21 min
